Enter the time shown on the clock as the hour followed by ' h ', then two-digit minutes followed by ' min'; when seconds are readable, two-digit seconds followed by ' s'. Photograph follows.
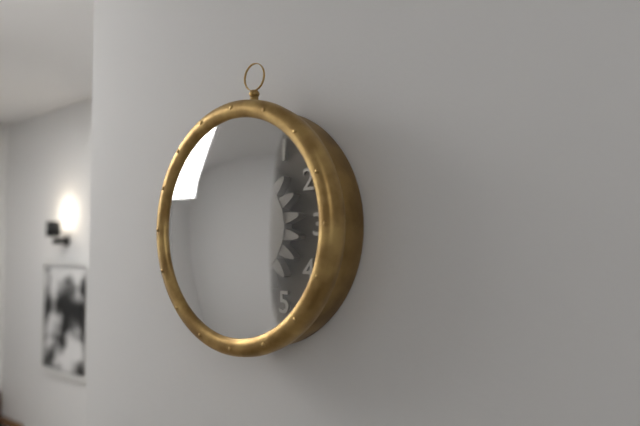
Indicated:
9 h 34 min
